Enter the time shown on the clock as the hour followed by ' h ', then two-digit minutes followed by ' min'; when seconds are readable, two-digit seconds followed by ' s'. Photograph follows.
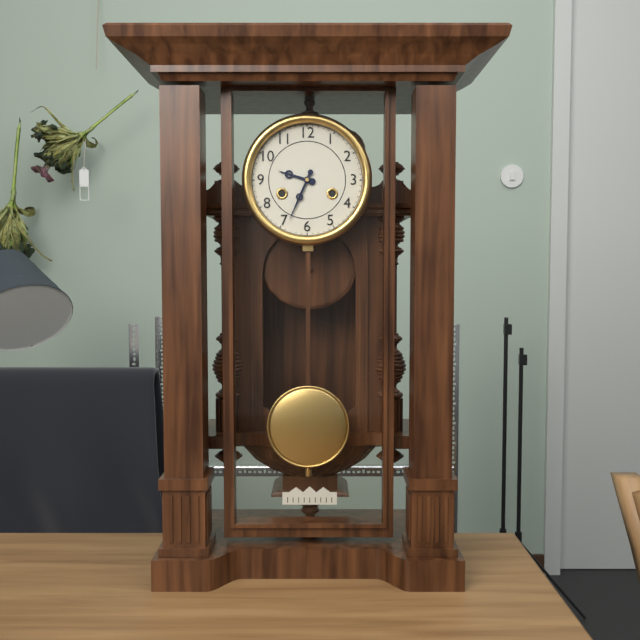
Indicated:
9 h 34 min
